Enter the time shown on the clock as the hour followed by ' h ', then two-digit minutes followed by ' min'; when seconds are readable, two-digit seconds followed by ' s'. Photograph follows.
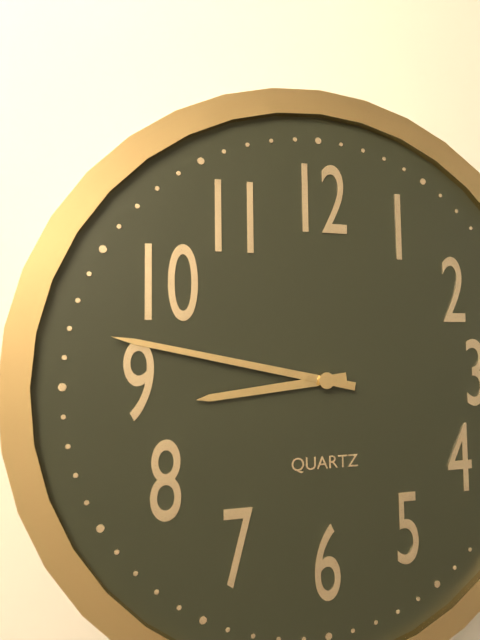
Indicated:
8 h 47 min
